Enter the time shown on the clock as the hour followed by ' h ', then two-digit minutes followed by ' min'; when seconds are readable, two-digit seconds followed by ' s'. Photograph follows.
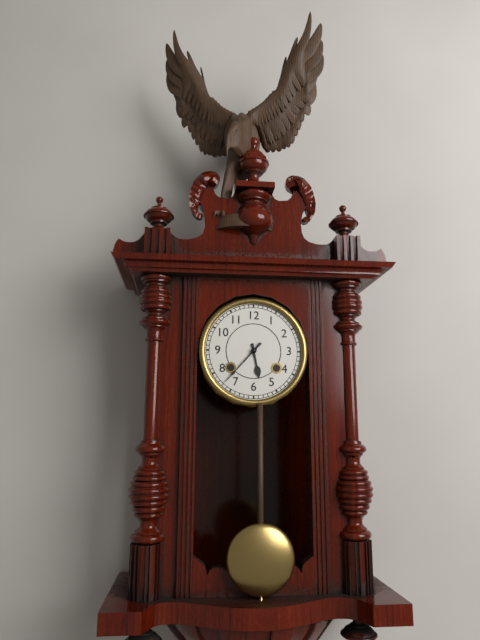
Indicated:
5 h 37 min
